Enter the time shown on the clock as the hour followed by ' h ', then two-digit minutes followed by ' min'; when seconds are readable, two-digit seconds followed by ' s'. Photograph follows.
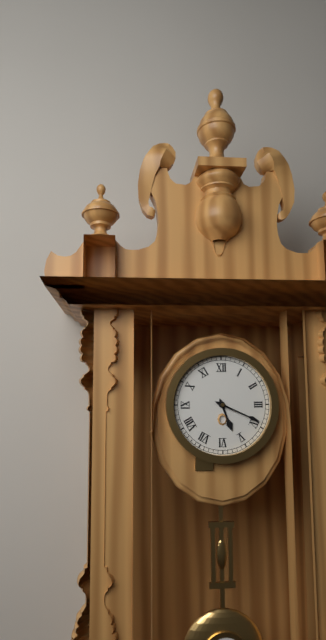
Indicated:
5 h 19 min
